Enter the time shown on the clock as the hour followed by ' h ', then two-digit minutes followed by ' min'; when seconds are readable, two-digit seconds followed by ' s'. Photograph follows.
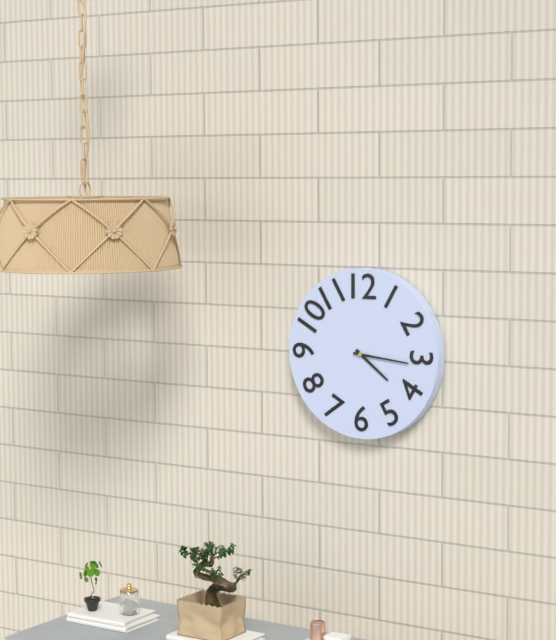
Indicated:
4 h 16 min
